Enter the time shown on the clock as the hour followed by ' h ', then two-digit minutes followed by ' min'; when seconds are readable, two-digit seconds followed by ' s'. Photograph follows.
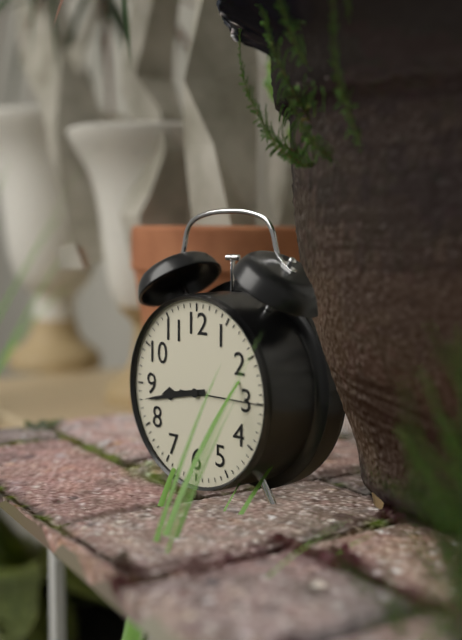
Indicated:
8 h 43 min 15 s
